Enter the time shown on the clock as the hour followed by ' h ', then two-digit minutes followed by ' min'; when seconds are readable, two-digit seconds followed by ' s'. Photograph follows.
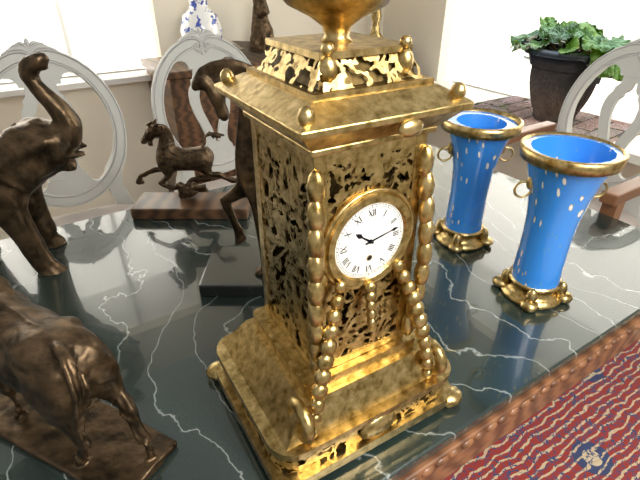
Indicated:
10 h 13 min
